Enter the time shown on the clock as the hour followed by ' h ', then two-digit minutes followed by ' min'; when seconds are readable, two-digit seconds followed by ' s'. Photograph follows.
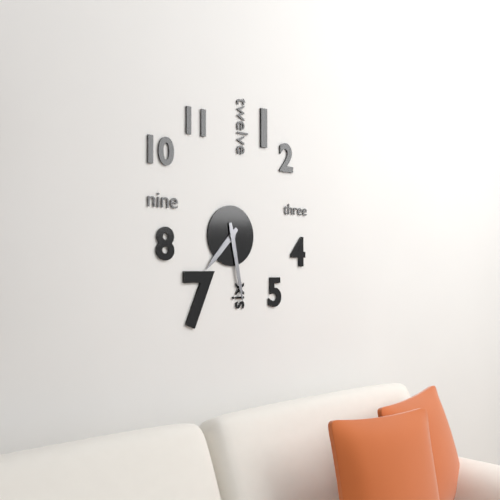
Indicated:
7 h 28 min
